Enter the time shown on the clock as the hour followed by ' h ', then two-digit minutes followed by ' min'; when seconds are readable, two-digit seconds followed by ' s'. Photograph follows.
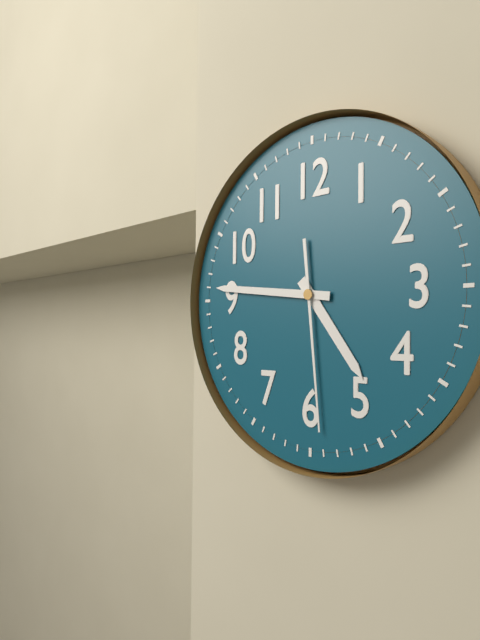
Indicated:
4 h 46 min 29 s
